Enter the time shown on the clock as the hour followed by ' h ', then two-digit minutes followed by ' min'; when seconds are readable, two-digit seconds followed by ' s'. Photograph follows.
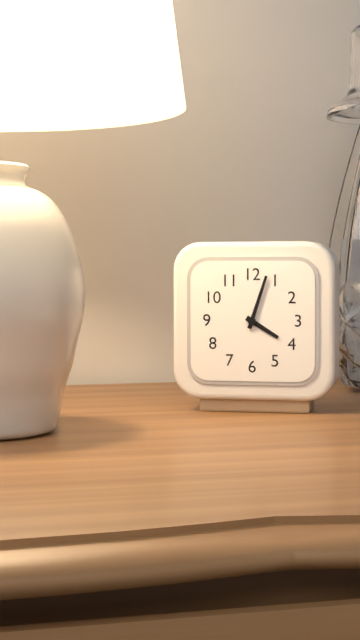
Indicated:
4 h 03 min
